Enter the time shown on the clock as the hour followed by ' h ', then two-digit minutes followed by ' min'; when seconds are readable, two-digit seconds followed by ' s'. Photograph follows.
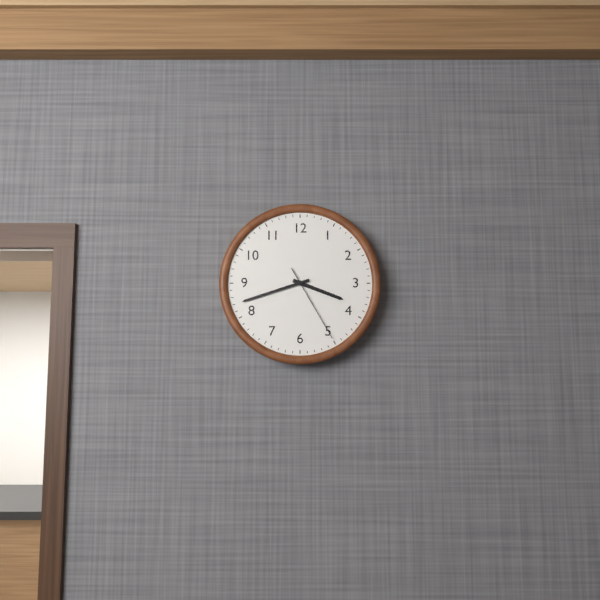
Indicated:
3 h 42 min 25 s
